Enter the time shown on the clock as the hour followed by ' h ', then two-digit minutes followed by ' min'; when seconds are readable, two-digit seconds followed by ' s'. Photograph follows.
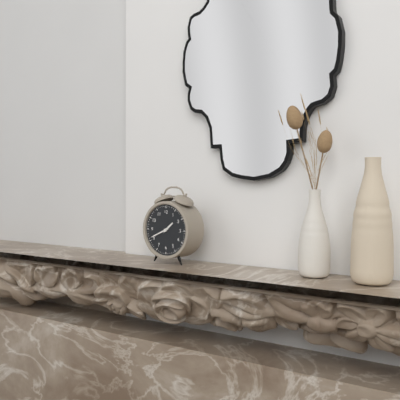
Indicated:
1 h 41 min
